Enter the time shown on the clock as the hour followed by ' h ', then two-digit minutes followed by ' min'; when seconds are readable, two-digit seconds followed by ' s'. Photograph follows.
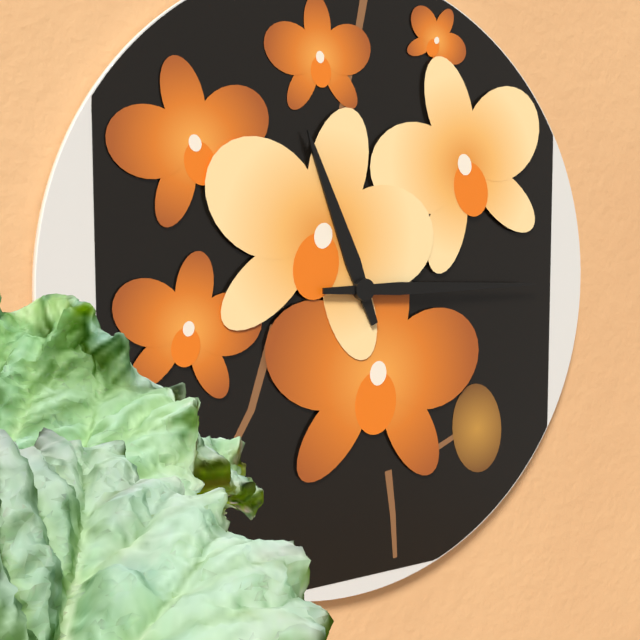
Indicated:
11 h 15 min
